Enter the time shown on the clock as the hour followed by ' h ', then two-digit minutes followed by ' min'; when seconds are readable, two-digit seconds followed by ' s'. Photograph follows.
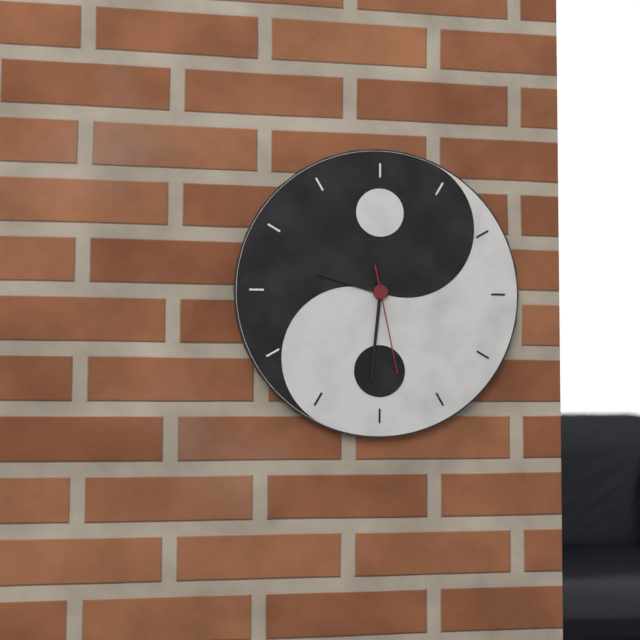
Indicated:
9 h 31 min 28 s
